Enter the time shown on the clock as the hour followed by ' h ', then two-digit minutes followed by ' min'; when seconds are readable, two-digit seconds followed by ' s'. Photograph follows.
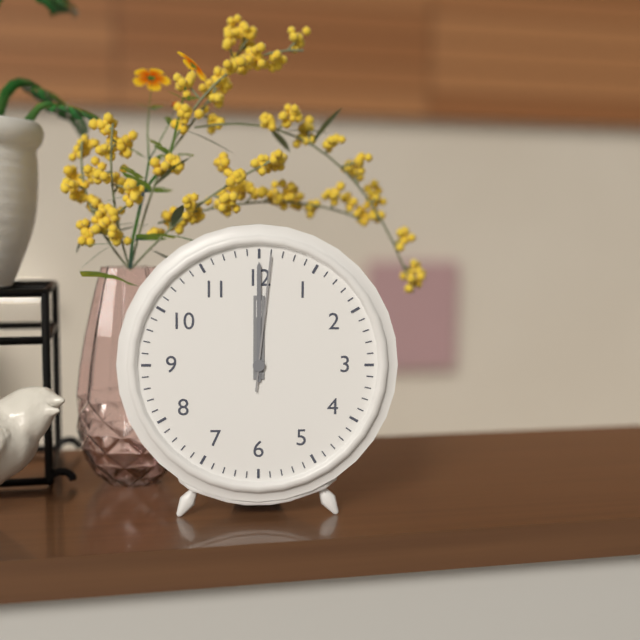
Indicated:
12 h 00 min 01 s
